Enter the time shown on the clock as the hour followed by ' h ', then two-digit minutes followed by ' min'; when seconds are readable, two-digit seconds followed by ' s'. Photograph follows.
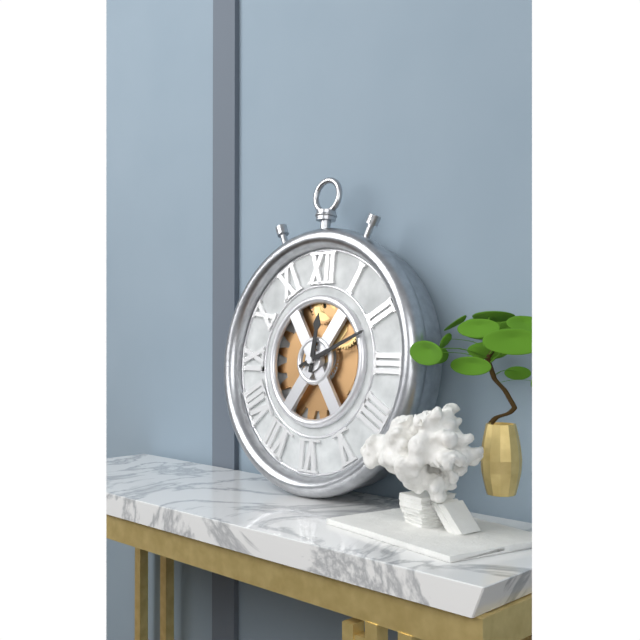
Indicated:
12 h 11 min
